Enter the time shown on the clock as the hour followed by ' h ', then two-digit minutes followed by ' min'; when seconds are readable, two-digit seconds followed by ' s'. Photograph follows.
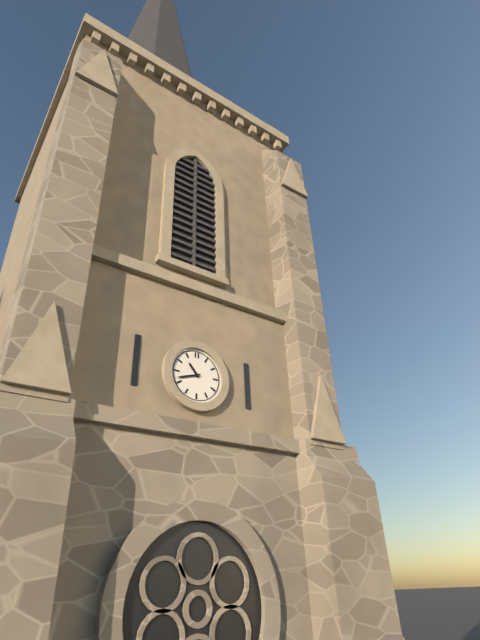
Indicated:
10 h 42 min
